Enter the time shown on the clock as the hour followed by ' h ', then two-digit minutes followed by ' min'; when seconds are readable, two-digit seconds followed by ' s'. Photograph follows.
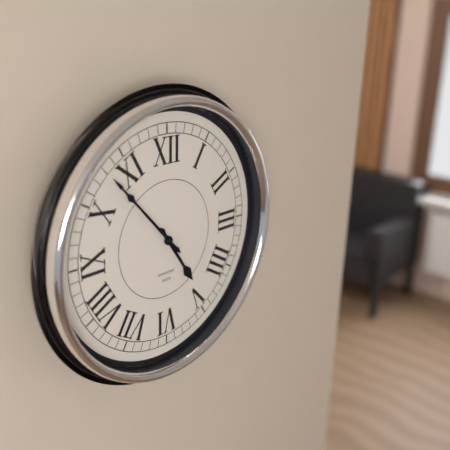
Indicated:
4 h 53 min
